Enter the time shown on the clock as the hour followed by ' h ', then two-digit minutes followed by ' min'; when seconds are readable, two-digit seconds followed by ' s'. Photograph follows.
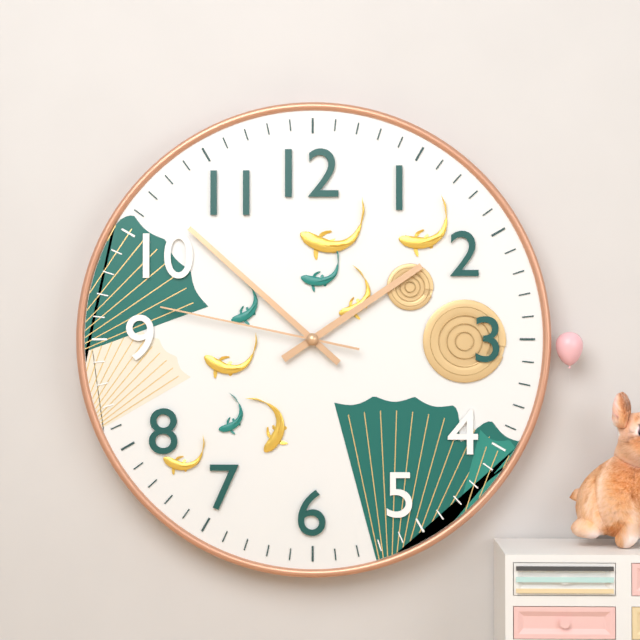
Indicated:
1 h 52 min 47 s
